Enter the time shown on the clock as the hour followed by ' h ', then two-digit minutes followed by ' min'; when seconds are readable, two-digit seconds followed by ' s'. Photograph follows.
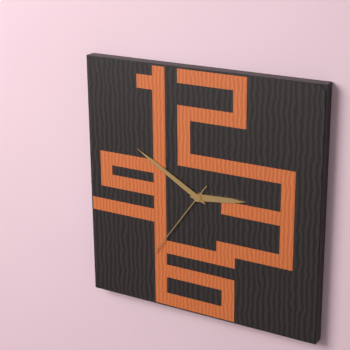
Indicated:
2 h 50 min 36 s
